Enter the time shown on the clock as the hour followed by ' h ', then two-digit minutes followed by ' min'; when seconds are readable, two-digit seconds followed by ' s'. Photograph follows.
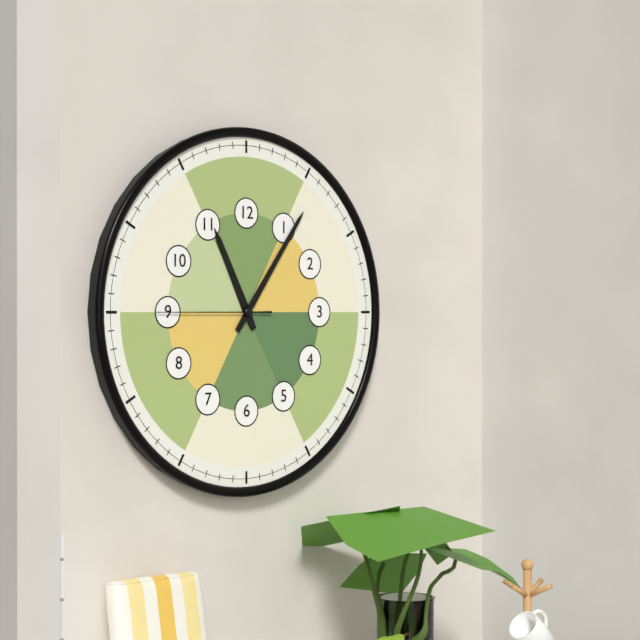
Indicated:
11 h 06 min 45 s
